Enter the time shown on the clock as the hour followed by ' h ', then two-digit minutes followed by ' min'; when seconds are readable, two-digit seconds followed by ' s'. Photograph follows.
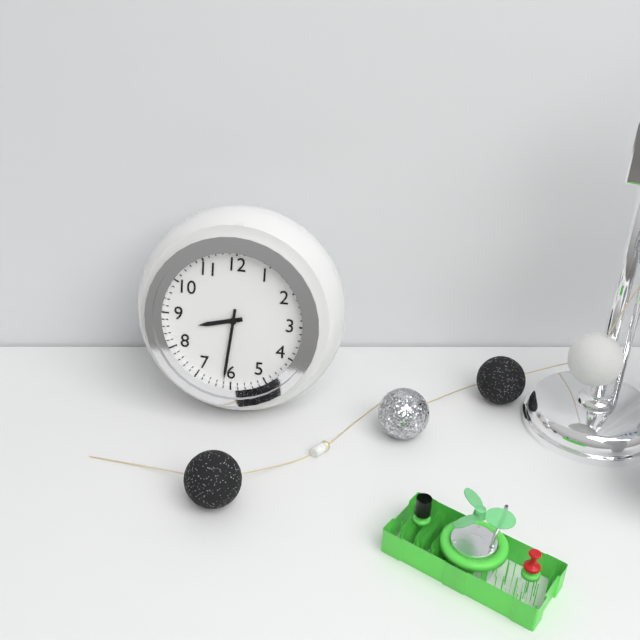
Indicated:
8 h 31 min
